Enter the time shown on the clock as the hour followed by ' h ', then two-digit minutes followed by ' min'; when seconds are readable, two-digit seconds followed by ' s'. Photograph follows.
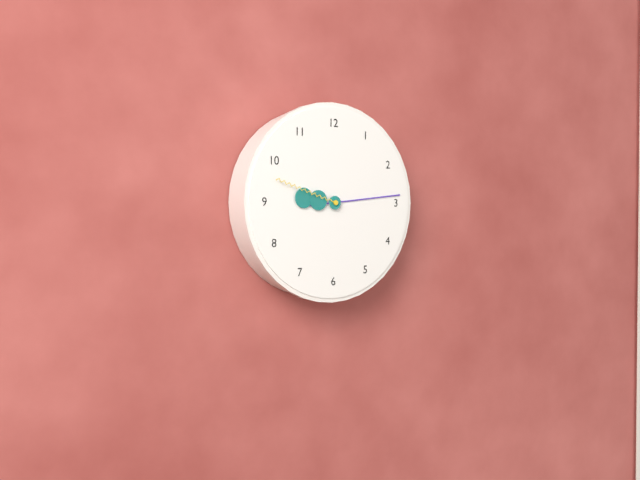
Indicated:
9 h 14 min 48 s
